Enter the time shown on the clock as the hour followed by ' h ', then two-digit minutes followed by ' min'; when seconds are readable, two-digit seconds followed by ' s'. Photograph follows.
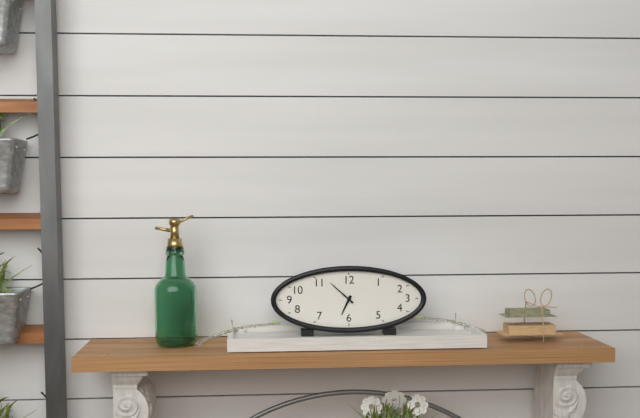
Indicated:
6 h 52 min
